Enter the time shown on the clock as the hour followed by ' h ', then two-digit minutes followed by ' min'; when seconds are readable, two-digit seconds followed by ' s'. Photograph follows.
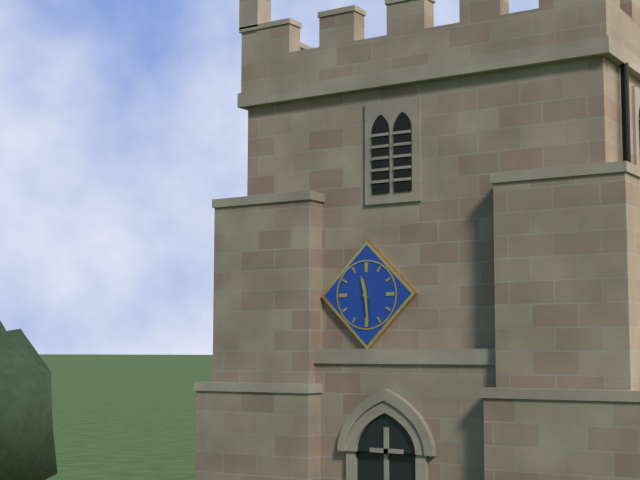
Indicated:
11 h 29 min
